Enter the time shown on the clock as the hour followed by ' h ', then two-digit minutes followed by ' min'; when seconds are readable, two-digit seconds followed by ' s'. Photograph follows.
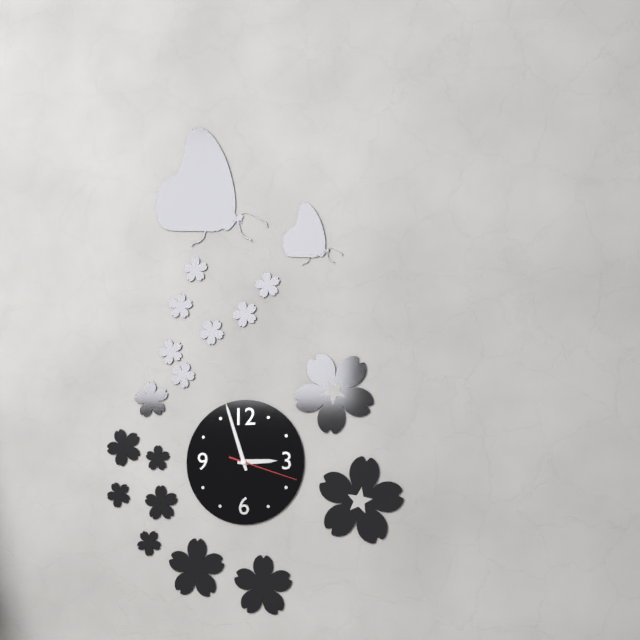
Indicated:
2 h 57 min 18 s
